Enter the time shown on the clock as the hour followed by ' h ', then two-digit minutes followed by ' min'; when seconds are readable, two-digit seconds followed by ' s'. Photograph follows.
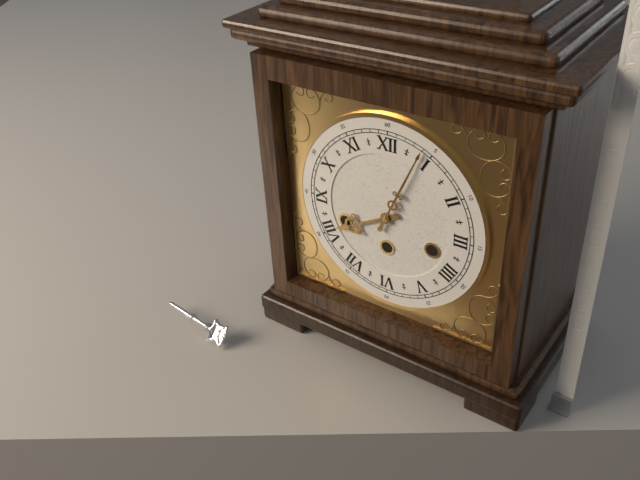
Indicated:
8 h 04 min
